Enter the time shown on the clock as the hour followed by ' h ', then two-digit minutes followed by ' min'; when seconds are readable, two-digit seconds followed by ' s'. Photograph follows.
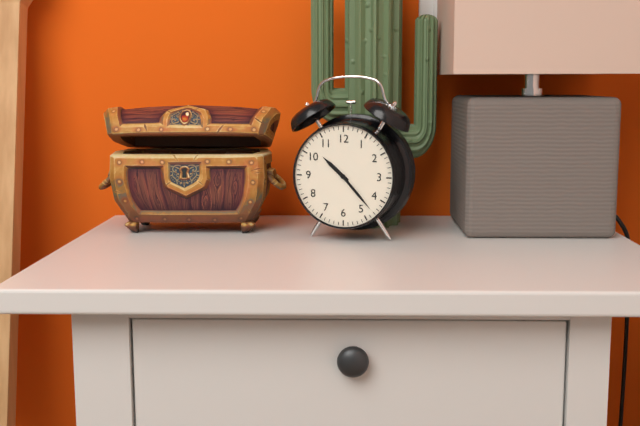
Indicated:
10 h 23 min
